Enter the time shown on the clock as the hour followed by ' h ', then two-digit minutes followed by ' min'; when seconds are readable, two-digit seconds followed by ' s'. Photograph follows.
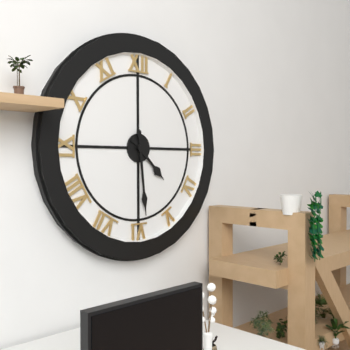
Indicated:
4 h 29 min
